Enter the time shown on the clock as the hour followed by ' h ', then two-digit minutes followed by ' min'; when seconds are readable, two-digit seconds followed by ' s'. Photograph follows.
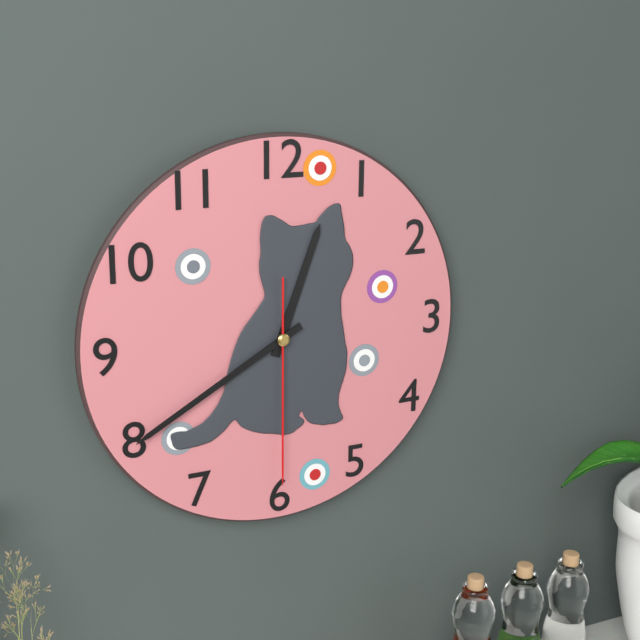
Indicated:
12 h 40 min 30 s
